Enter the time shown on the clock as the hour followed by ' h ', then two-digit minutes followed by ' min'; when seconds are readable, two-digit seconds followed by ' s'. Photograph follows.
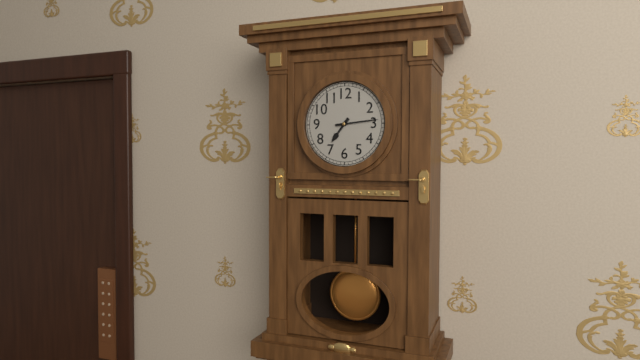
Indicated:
7 h 14 min
